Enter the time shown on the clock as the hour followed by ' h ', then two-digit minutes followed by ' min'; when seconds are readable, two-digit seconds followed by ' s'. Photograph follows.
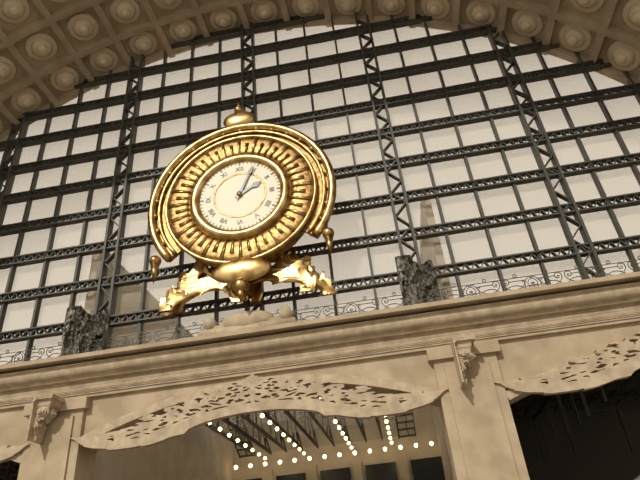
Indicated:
2 h 04 min
